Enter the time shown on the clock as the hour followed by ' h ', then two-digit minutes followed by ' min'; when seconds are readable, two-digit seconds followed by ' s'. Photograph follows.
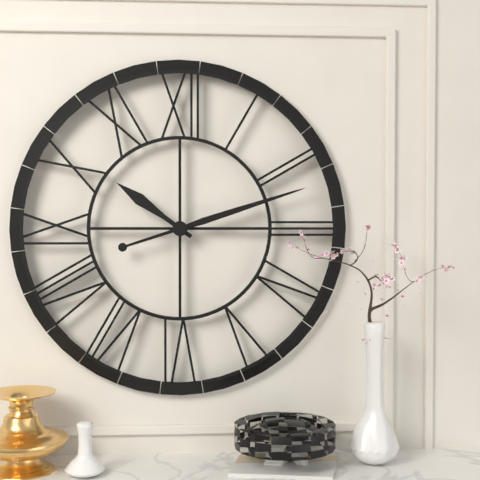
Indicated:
10 h 12 min
